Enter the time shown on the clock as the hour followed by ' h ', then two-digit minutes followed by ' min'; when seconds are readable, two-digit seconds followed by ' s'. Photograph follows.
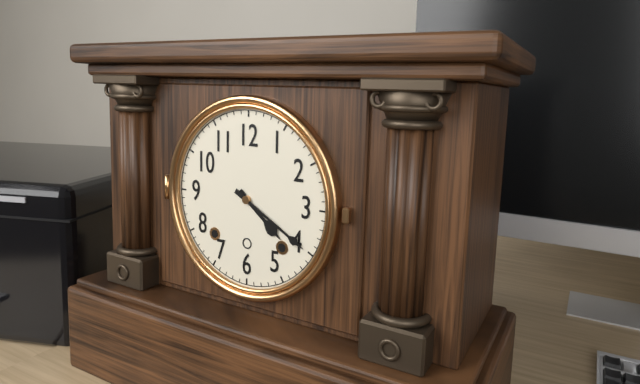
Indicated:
4 h 20 min
